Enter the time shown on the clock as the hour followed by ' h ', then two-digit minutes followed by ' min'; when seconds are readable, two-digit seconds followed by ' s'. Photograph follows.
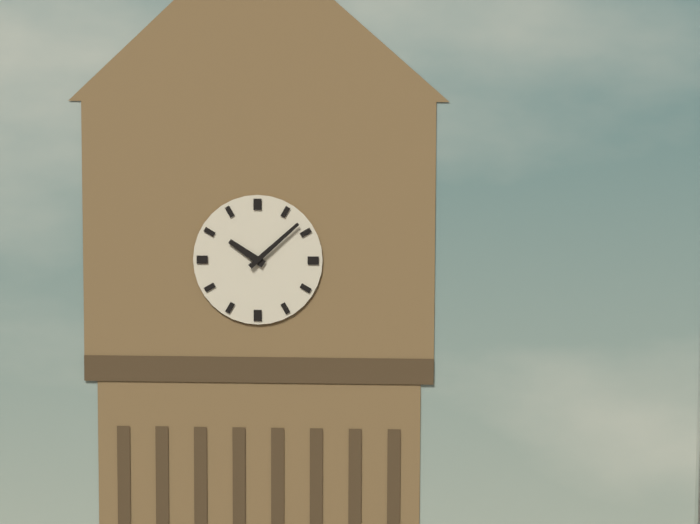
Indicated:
10 h 08 min
